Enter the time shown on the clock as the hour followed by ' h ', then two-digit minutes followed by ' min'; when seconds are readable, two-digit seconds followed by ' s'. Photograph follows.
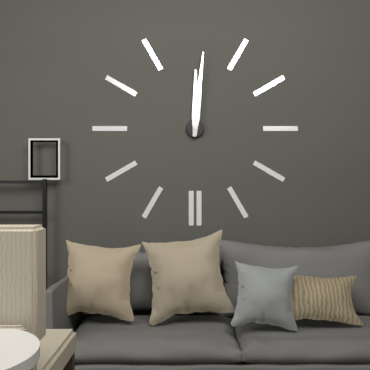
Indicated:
12 h 01 min
